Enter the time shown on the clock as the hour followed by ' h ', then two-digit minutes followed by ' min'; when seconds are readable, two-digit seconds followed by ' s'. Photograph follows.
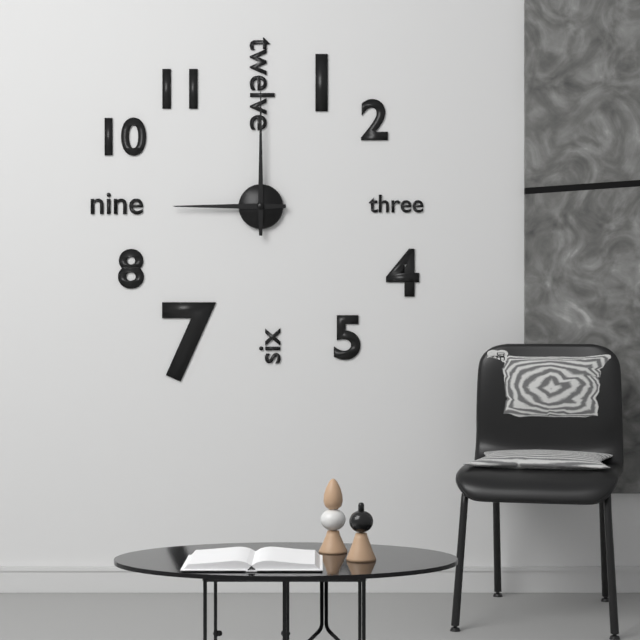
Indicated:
9 h 00 min
